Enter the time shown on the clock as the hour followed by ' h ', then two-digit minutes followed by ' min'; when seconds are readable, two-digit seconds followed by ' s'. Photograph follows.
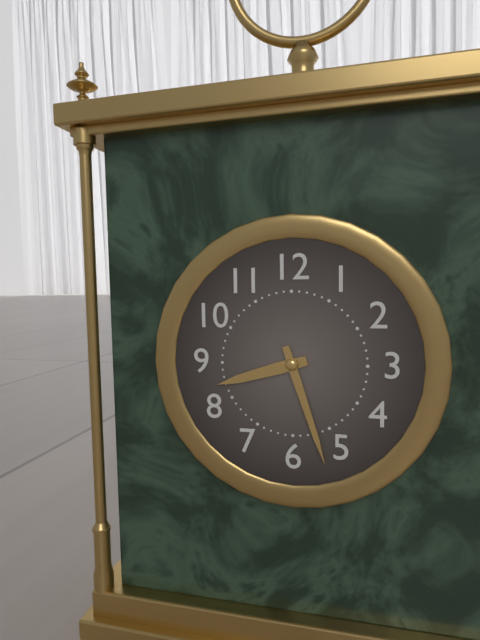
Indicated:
8 h 27 min
